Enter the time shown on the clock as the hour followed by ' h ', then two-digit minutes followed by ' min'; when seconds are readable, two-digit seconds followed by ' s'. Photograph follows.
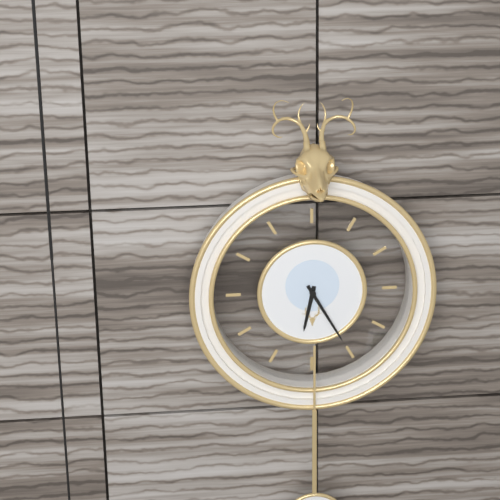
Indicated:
6 h 25 min
